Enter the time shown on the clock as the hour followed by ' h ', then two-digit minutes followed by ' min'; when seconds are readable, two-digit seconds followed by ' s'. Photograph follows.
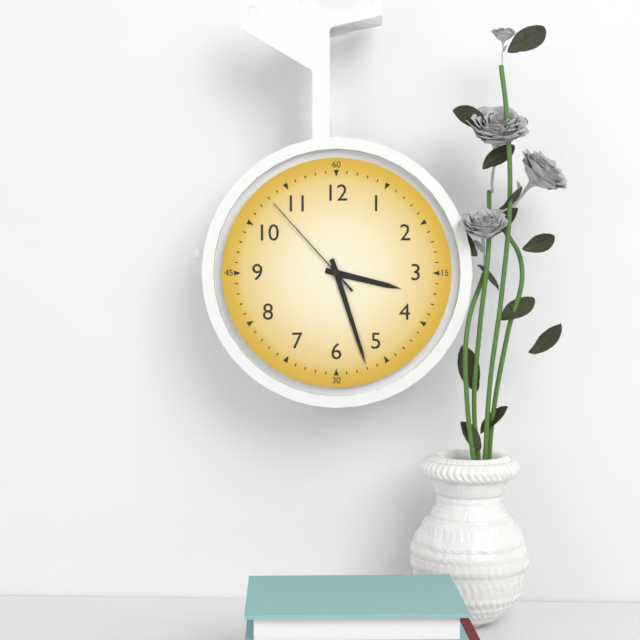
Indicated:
3 h 27 min 53 s
